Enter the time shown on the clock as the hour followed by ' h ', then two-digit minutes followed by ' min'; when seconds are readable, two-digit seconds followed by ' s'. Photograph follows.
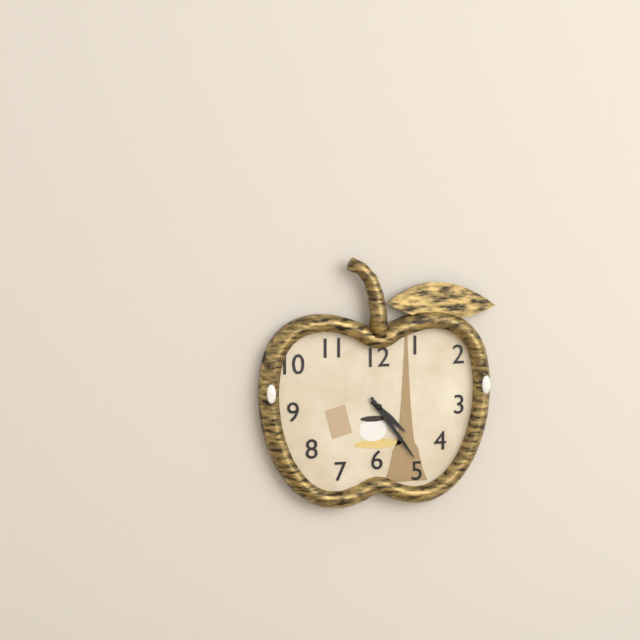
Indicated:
4 h 24 min
